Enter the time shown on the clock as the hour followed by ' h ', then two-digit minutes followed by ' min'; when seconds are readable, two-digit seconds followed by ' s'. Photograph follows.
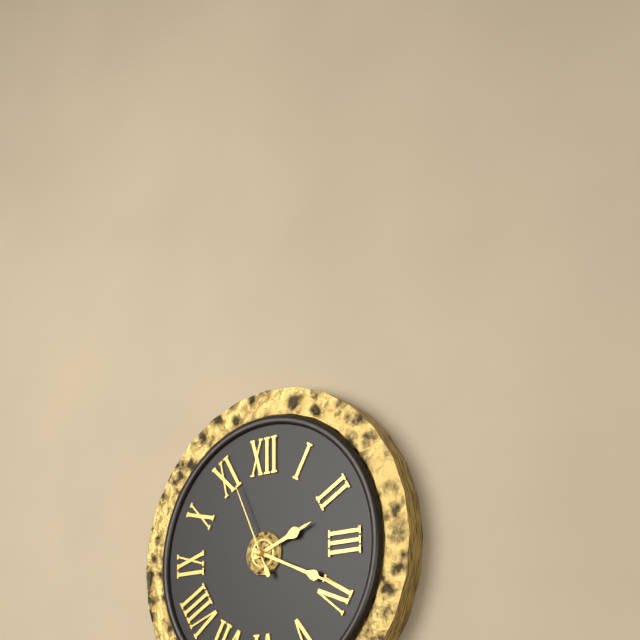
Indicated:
2 h 19 min 56 s
